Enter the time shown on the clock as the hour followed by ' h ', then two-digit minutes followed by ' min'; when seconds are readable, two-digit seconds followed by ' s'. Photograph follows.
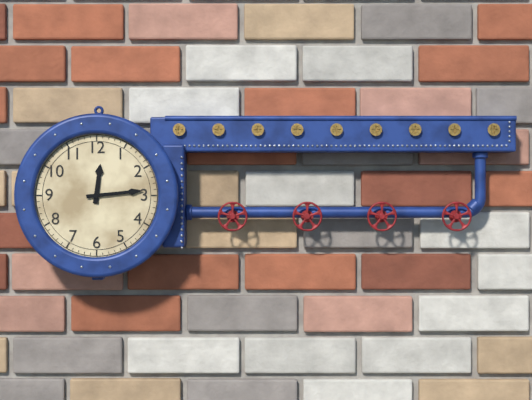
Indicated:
12 h 14 min
